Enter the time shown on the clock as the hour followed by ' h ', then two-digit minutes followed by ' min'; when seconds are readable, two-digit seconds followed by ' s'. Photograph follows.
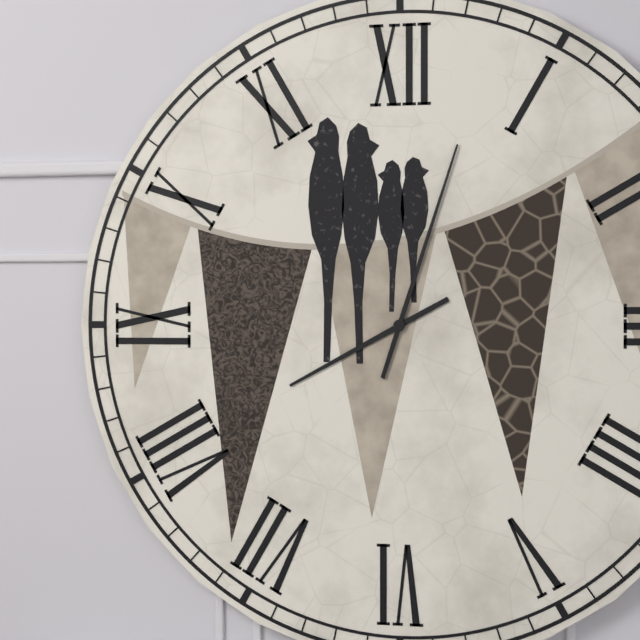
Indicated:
8 h 03 min
